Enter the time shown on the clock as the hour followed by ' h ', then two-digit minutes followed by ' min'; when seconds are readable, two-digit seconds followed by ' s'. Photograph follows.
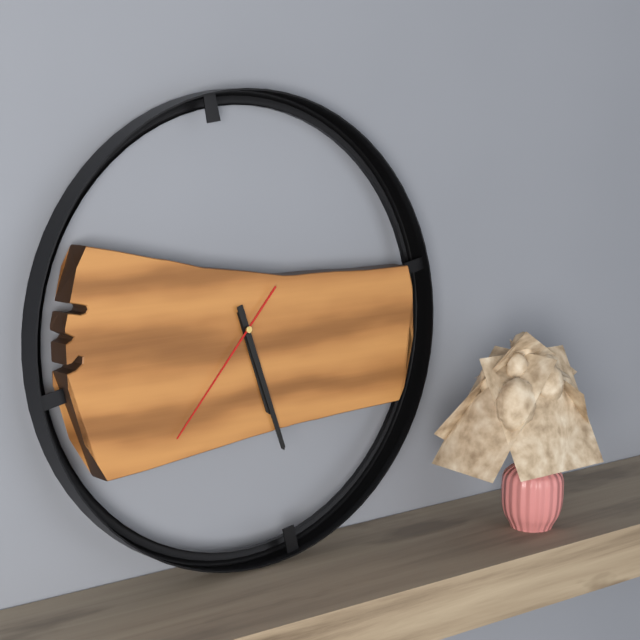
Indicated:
5 h 27 min 37 s
